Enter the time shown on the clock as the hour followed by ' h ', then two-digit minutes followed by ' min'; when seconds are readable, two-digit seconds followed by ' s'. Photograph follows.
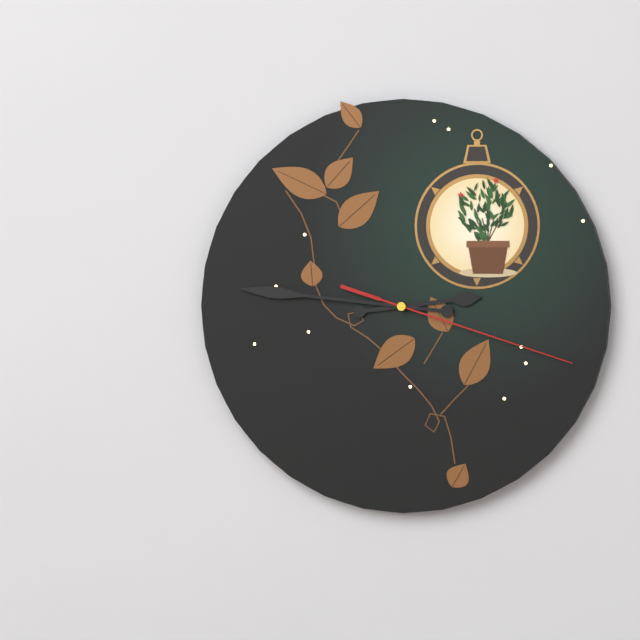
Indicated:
2 h 46 min 18 s
